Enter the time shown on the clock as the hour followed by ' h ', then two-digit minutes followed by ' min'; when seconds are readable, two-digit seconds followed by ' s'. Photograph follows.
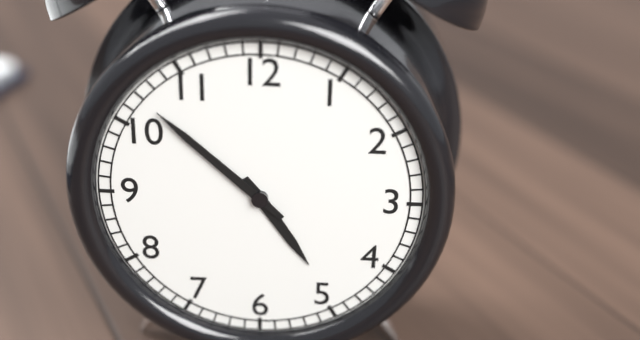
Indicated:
4 h 52 min
